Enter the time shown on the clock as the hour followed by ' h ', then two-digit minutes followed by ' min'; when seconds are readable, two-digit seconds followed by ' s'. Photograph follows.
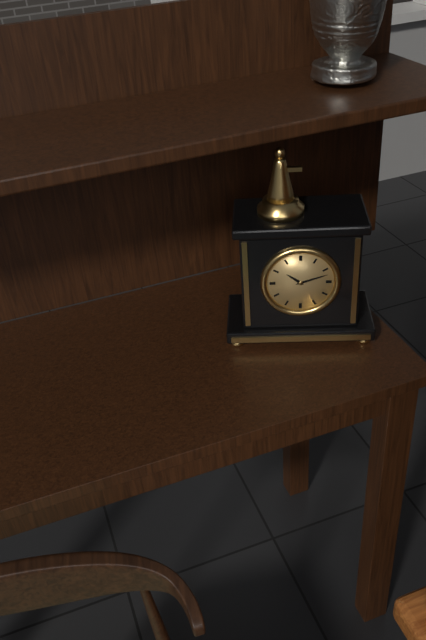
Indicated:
10 h 12 min
